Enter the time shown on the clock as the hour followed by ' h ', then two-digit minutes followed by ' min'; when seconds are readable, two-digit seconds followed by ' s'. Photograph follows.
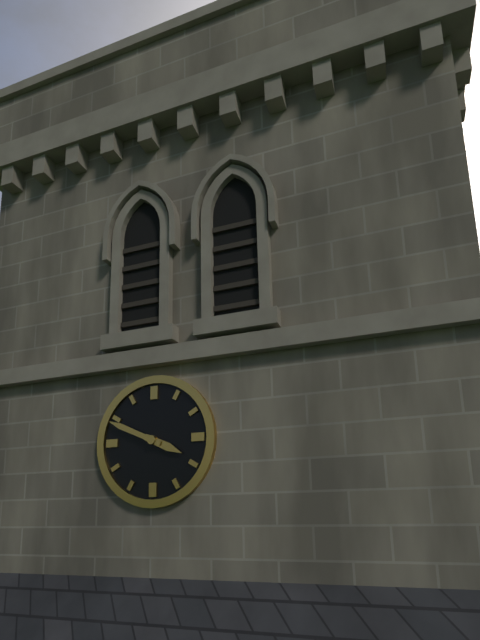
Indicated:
3 h 49 min
